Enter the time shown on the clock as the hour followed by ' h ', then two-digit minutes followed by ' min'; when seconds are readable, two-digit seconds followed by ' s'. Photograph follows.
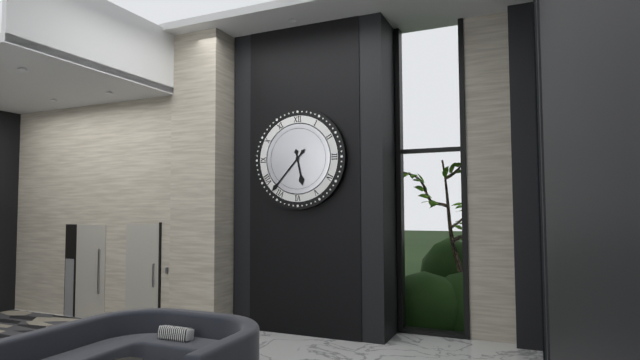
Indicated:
5 h 37 min
